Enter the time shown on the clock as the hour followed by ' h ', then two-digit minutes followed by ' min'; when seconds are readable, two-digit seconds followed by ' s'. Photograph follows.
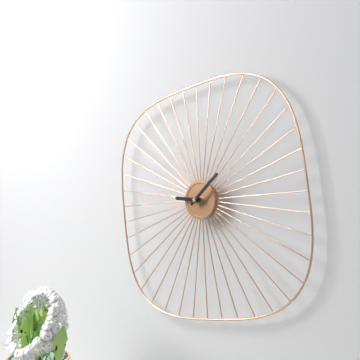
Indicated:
9 h 08 min
